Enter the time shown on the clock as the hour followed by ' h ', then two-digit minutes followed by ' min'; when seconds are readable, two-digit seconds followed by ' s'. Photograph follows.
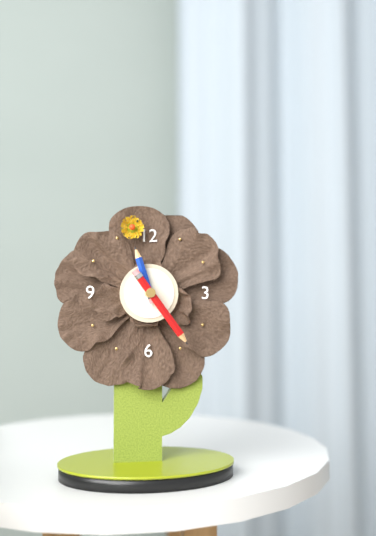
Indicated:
11 h 24 min
